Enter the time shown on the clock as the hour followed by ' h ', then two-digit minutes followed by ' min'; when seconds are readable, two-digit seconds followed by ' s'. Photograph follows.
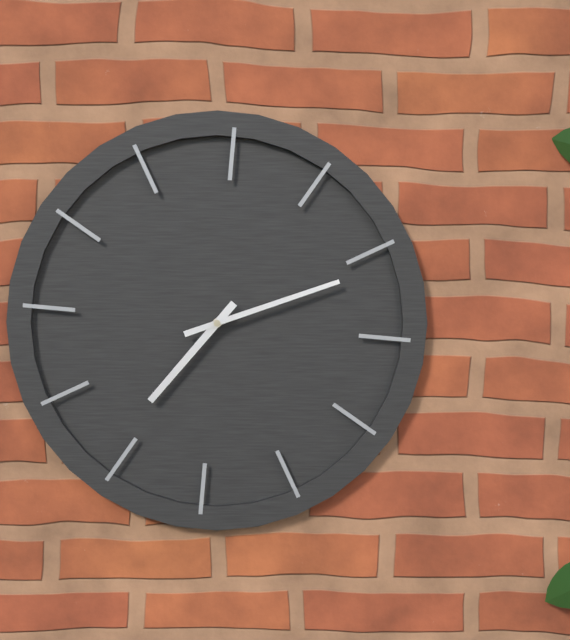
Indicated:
7 h 11 min
